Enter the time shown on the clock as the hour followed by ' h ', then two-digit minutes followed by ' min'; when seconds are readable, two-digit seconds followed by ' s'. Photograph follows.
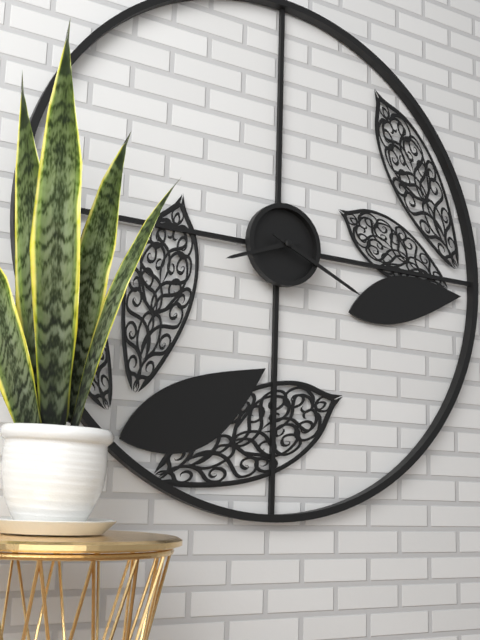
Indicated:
8 h 19 min
